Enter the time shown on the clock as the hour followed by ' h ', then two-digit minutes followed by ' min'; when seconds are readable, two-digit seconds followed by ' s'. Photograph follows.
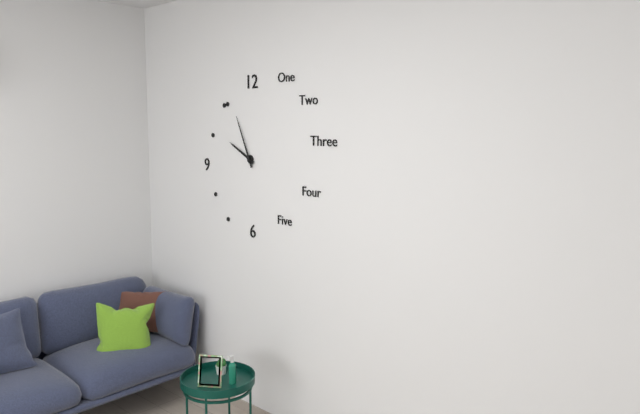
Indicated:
9 h 56 min
